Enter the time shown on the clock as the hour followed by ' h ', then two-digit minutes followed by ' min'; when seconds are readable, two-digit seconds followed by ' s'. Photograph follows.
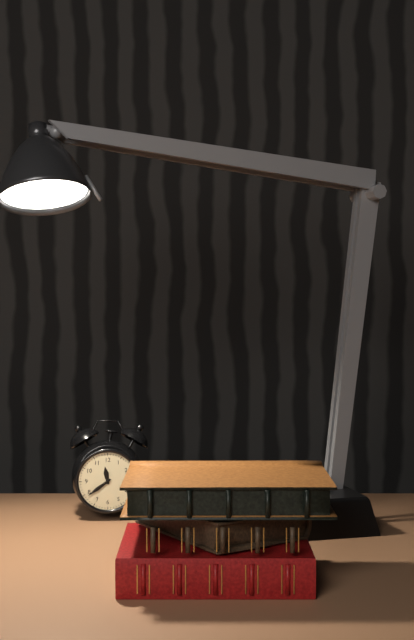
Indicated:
11 h 39 min
